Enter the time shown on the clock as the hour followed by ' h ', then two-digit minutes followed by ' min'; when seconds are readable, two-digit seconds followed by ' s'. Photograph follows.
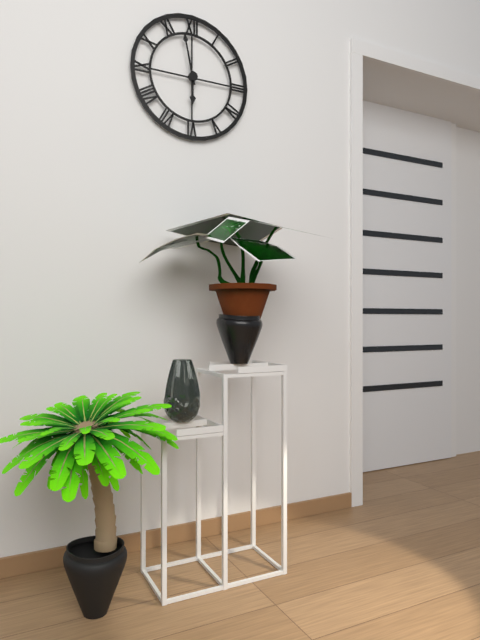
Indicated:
5 h 58 min
